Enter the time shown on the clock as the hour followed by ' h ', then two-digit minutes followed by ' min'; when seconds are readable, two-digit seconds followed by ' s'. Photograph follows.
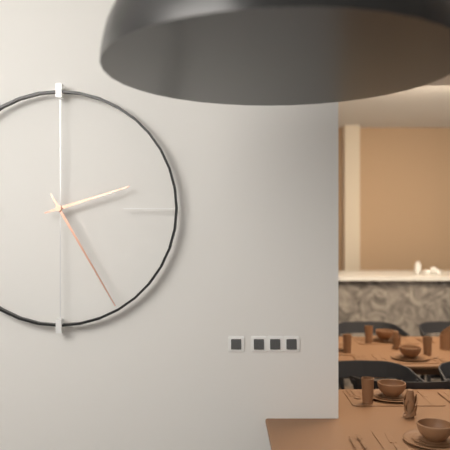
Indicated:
2 h 25 min
